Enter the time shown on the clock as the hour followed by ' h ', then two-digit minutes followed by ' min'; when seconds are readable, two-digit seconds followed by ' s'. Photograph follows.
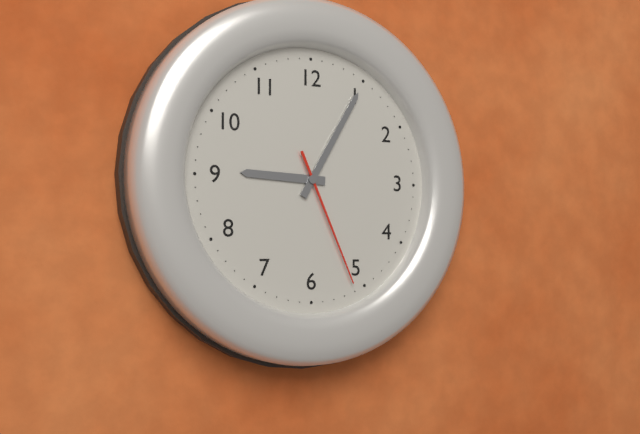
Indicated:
9 h 05 min 26 s
